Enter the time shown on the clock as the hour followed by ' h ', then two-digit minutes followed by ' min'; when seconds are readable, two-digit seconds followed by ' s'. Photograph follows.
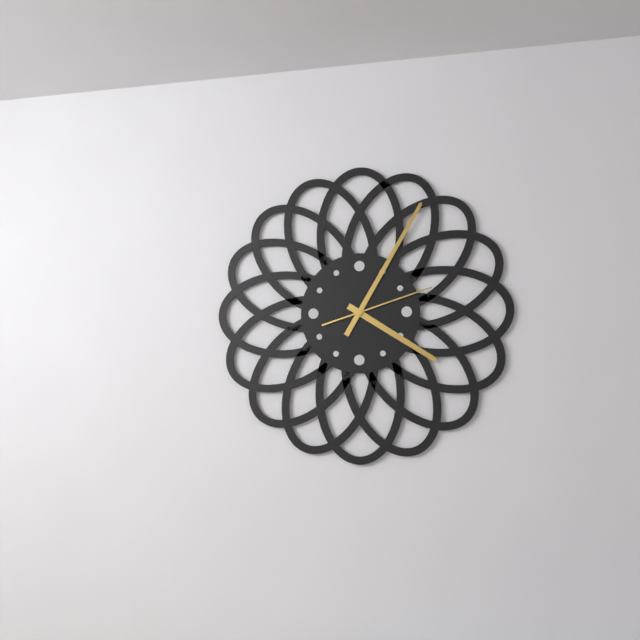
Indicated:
4 h 05 min 12 s
